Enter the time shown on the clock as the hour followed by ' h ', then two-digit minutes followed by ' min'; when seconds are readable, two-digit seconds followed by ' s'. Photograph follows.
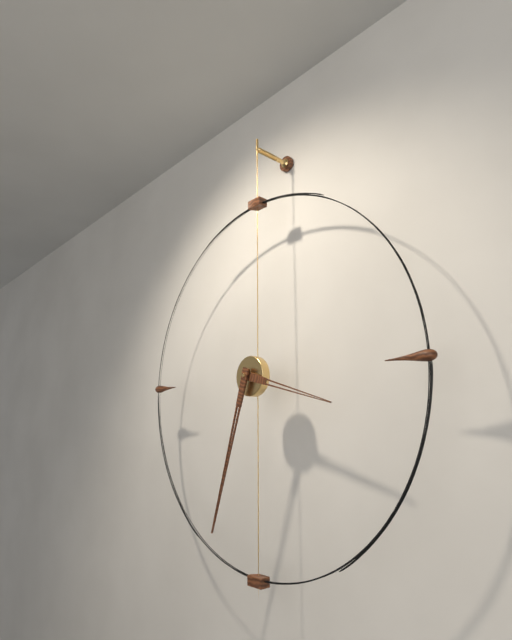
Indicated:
3 h 33 min
